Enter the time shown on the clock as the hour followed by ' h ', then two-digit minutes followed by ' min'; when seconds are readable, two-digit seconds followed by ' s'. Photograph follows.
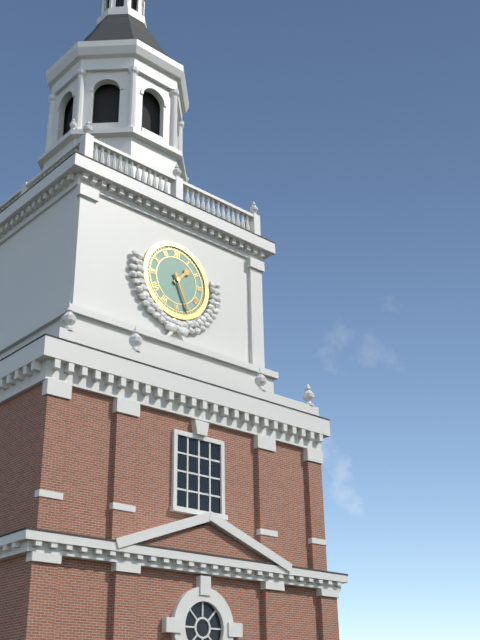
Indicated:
1 h 26 min
